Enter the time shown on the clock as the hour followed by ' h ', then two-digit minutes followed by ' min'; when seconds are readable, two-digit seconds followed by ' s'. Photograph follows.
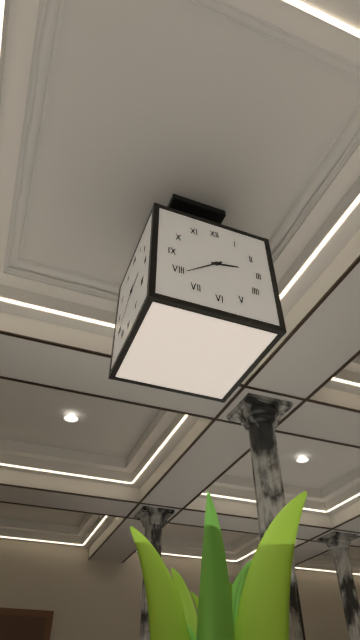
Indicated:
2 h 39 min
